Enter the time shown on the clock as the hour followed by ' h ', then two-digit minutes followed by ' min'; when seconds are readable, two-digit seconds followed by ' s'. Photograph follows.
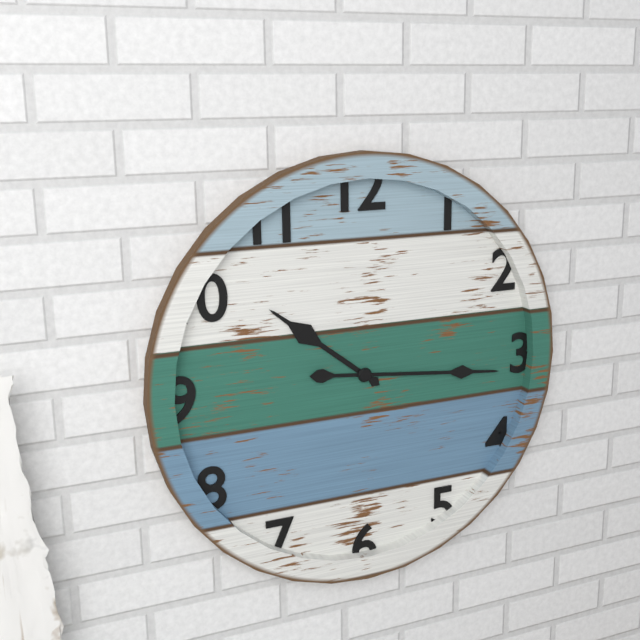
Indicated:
10 h 16 min
